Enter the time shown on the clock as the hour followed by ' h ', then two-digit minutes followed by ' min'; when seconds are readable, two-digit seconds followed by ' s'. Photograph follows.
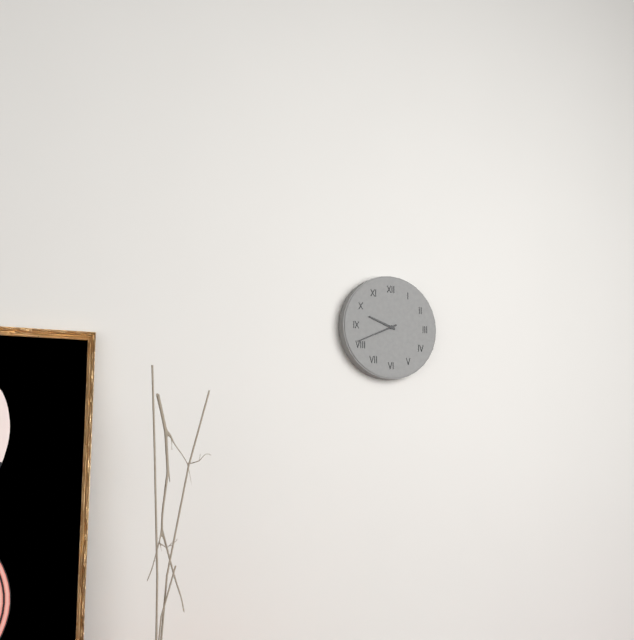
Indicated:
9 h 41 min
